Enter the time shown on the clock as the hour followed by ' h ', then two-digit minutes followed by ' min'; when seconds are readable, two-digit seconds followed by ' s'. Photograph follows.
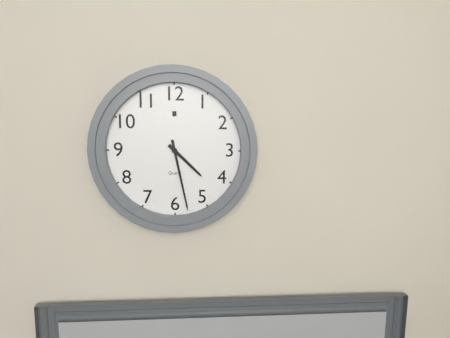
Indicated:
4 h 28 min
